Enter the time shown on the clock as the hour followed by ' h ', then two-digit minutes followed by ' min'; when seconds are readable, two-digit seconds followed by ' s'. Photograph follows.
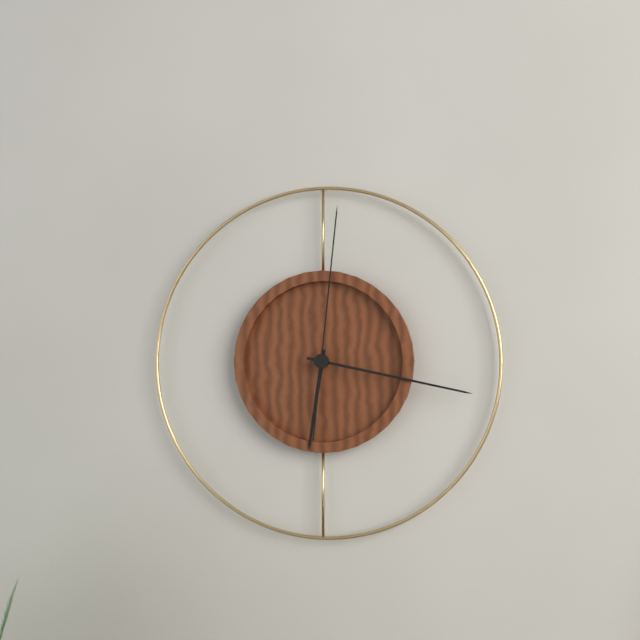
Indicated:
6 h 17 min 01 s
